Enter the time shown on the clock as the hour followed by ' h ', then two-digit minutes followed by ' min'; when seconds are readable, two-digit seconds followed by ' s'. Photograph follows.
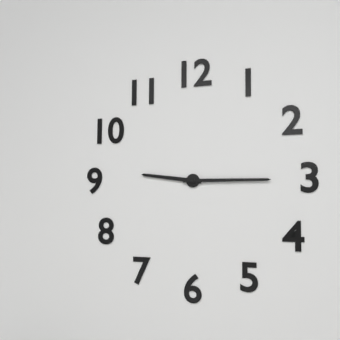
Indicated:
9 h 15 min
